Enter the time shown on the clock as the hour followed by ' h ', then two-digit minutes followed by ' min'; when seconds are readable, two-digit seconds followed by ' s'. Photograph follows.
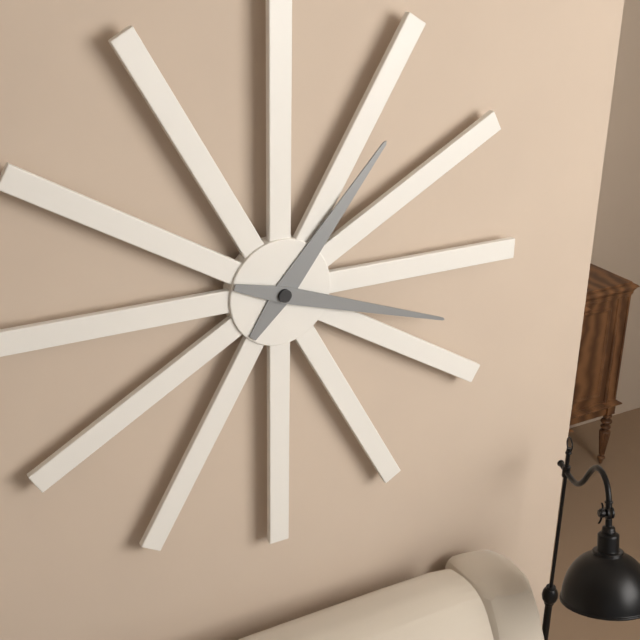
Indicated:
1 h 18 min
